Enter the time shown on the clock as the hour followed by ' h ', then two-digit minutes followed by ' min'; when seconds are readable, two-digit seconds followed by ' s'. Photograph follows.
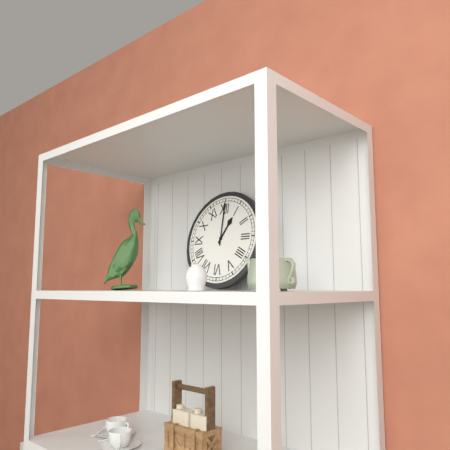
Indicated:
1 h 00 min
